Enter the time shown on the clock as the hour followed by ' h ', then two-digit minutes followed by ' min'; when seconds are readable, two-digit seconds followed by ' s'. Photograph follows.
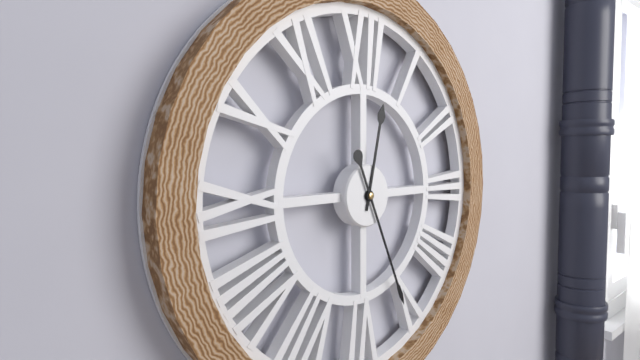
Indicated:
12 h 26 min
